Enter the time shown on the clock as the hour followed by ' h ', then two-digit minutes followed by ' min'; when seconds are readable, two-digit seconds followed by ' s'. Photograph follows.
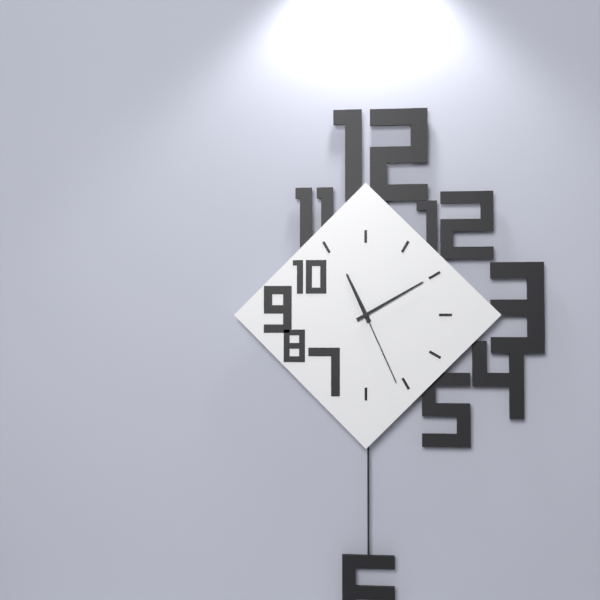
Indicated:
11 h 10 min 26 s
